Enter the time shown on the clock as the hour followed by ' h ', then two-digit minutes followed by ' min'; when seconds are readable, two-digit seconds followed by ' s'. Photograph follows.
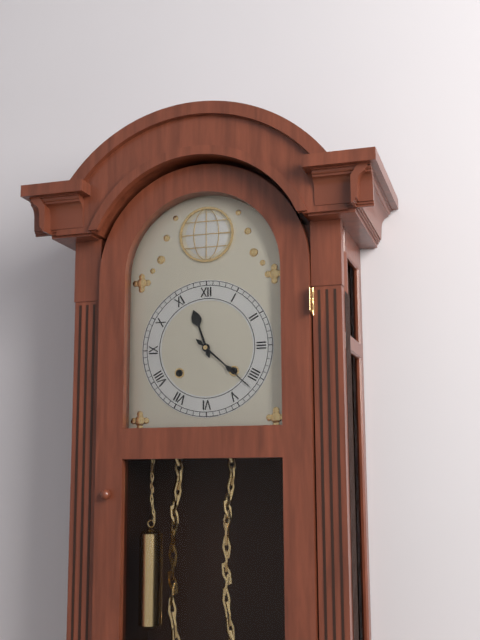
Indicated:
11 h 22 min
